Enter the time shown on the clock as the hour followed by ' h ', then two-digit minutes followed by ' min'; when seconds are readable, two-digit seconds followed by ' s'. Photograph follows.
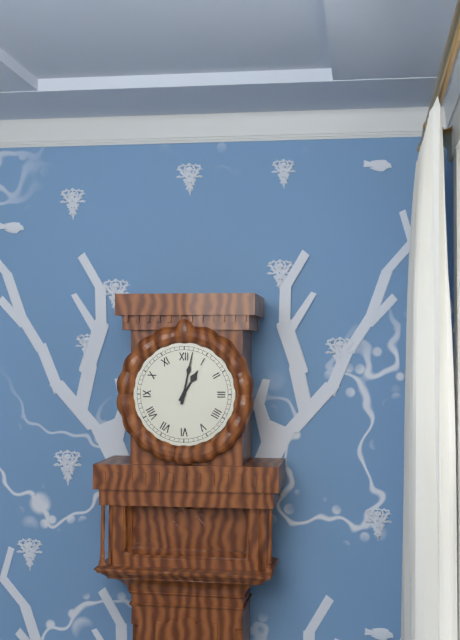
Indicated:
1 h 02 min
